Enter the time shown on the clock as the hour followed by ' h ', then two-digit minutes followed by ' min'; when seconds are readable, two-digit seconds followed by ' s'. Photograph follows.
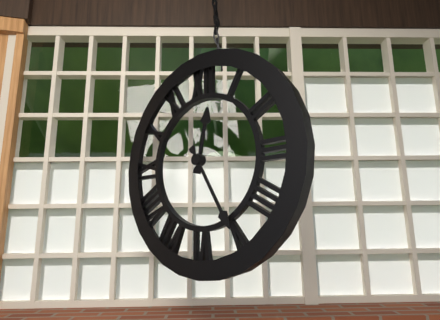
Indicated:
12 h 25 min
